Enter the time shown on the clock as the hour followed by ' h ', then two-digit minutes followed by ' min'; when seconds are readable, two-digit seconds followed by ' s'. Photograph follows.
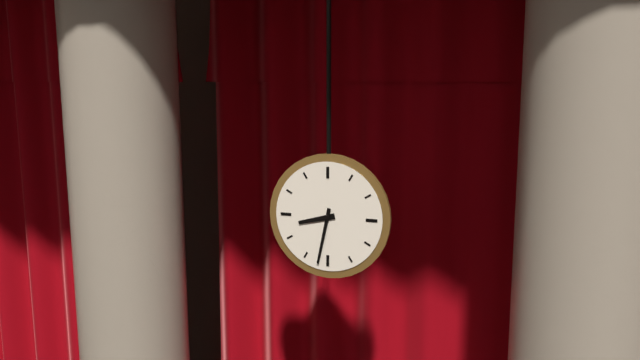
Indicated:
8 h 32 min
